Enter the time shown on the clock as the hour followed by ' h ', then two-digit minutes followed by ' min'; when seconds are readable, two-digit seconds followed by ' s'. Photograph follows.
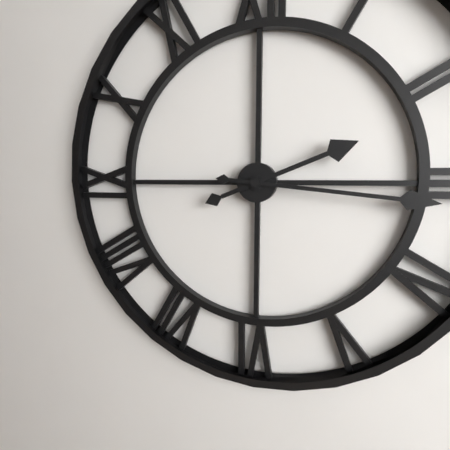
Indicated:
2 h 16 min
